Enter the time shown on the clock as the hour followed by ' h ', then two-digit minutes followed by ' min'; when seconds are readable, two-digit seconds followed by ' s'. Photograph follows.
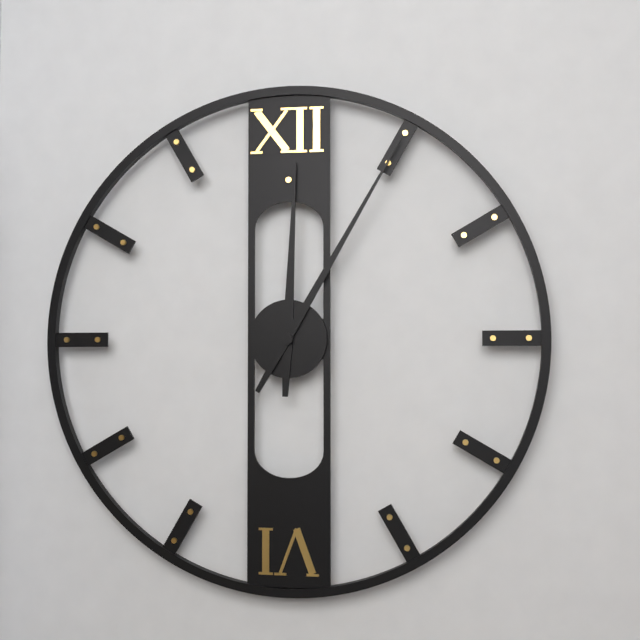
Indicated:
12 h 05 min
